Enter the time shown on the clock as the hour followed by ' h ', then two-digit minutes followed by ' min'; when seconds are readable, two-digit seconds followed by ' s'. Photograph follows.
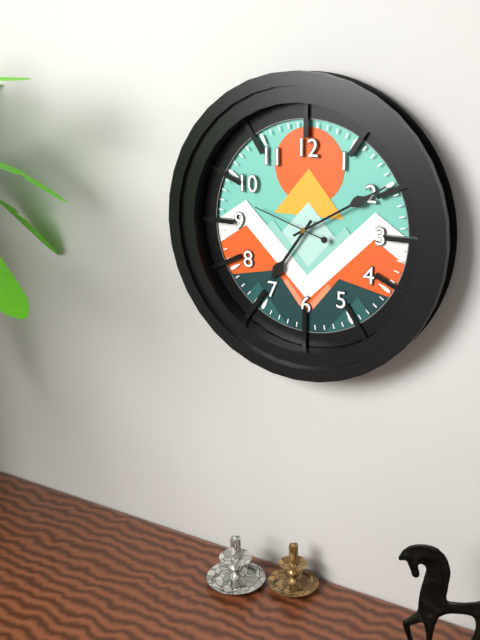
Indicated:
7 h 10 min 48 s
